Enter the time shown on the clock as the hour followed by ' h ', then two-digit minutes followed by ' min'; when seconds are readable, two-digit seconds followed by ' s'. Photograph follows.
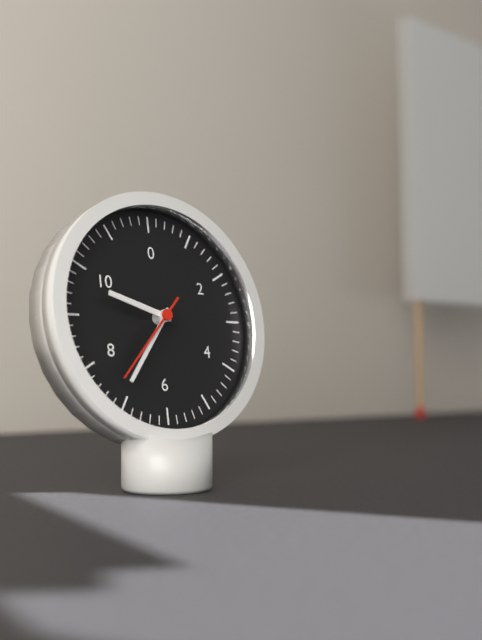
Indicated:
9 h 36 min 37 s
